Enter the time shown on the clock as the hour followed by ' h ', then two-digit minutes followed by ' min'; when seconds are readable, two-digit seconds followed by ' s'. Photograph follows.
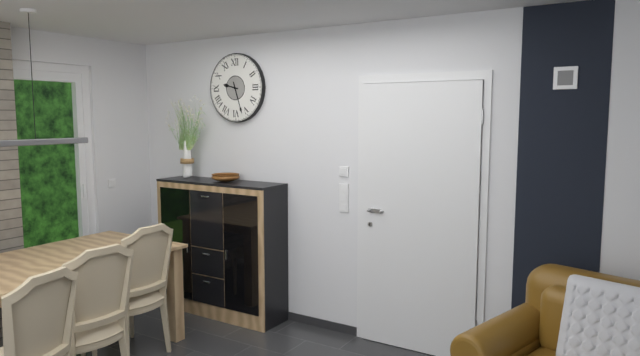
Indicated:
9 h 27 min
